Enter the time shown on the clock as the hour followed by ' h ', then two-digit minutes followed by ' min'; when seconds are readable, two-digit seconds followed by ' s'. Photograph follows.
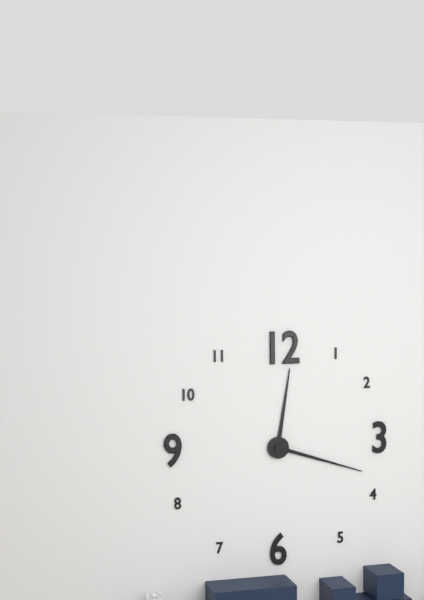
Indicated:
12 h 18 min
